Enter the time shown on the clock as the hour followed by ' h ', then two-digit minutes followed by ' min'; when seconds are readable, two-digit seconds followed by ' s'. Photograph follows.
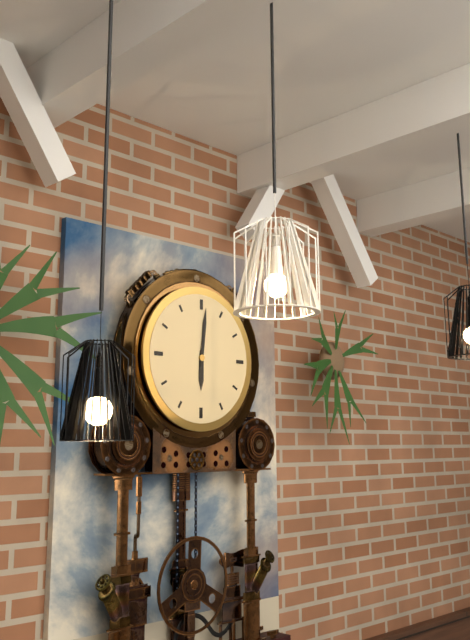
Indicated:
6 h 01 min
